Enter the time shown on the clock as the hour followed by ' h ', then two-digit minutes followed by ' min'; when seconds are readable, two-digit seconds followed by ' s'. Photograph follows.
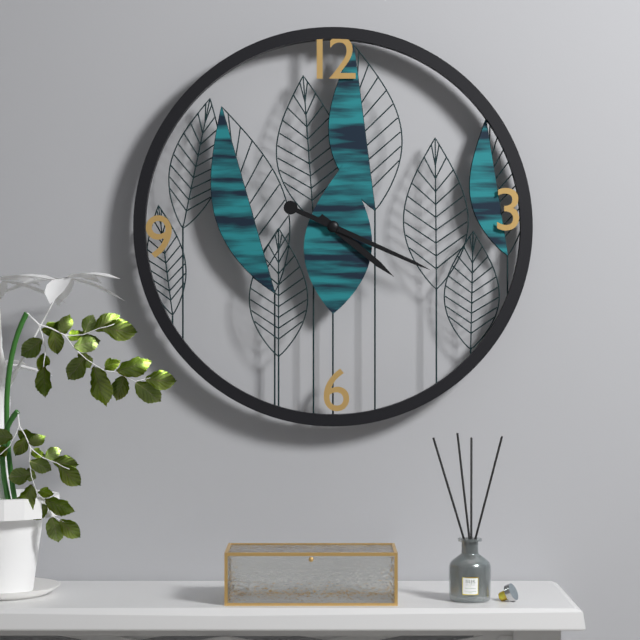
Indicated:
4 h 19 min
